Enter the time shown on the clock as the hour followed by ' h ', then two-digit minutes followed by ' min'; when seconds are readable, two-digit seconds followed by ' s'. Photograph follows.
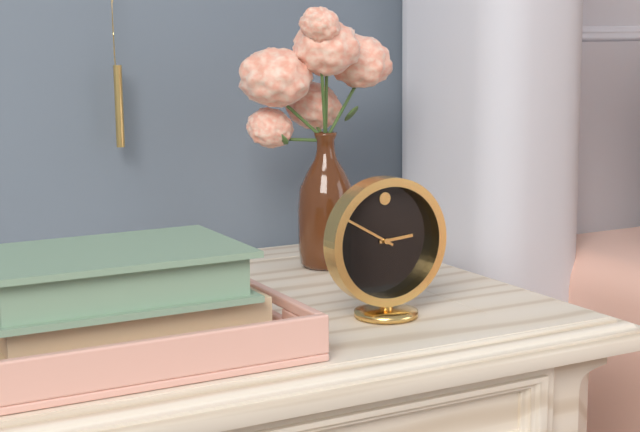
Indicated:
2 h 50 min
